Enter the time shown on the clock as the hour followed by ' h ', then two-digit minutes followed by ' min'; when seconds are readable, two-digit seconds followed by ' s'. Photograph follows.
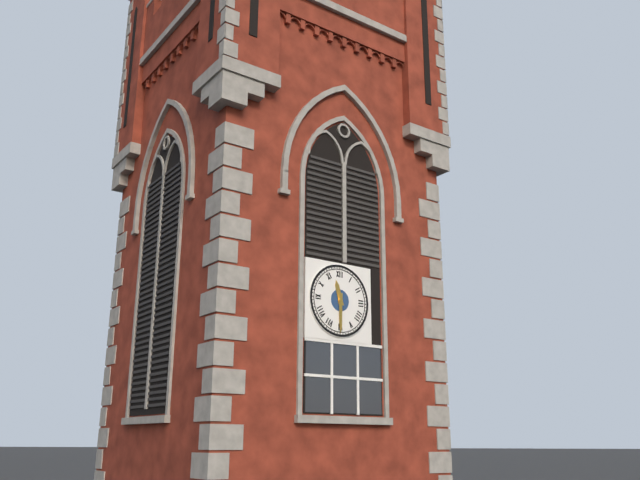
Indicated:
11 h 30 min
